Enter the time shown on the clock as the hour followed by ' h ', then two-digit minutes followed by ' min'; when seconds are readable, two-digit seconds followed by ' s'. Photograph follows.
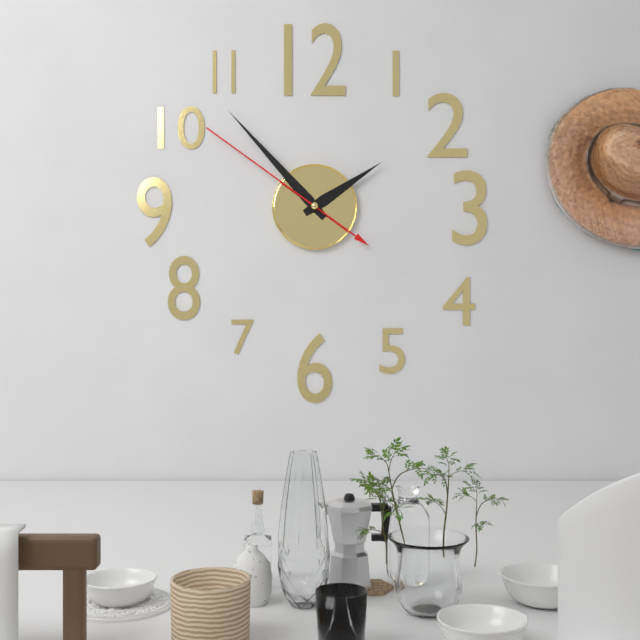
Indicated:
1 h 53 min 51 s
